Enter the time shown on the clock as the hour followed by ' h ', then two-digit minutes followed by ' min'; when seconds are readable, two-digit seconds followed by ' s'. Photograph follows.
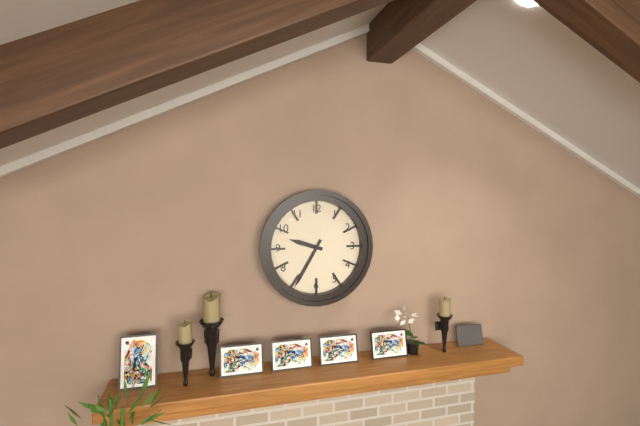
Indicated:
9 h 35 min
